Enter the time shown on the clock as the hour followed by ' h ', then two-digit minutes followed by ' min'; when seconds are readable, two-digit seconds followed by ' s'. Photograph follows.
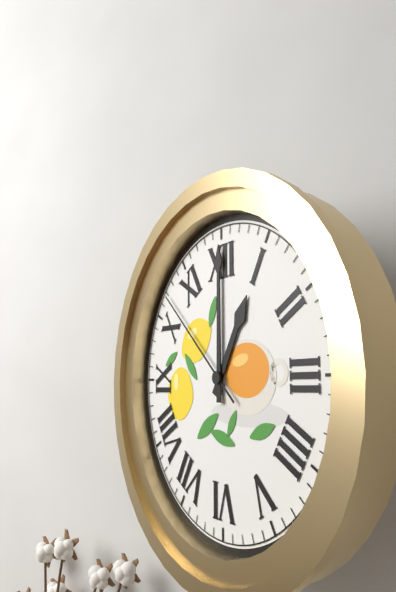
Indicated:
1 h 00 min 52 s
